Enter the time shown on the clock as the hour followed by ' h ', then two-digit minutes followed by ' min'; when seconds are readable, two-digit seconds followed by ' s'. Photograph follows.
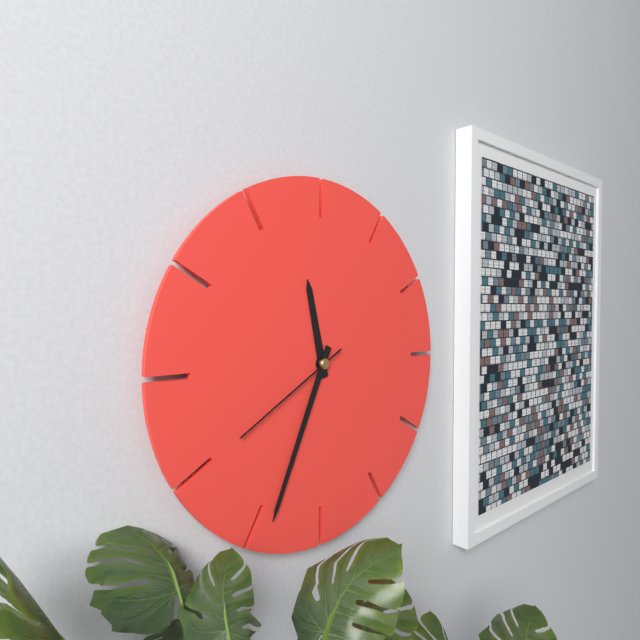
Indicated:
11 h 34 min 40 s
